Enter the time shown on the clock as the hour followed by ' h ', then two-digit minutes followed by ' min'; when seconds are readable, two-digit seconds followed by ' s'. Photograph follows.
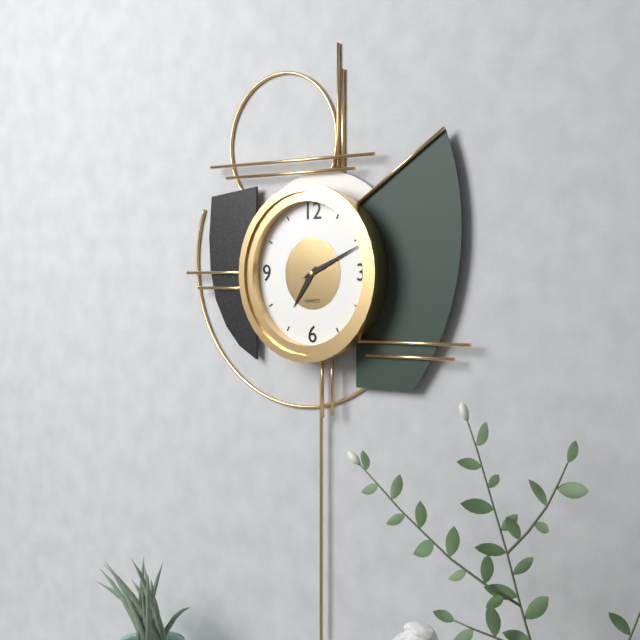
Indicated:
7 h 11 min
